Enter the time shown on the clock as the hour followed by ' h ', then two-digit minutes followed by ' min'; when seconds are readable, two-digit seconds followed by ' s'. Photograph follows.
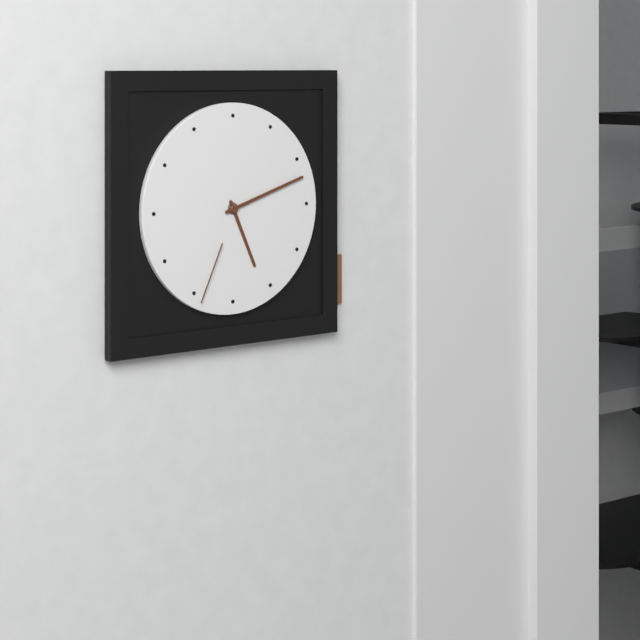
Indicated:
5 h 12 min 34 s
